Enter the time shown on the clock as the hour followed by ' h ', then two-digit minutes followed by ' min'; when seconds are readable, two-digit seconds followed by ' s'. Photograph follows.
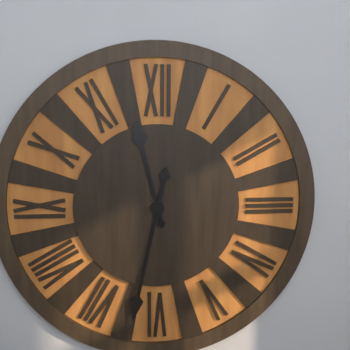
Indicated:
11 h 32 min
